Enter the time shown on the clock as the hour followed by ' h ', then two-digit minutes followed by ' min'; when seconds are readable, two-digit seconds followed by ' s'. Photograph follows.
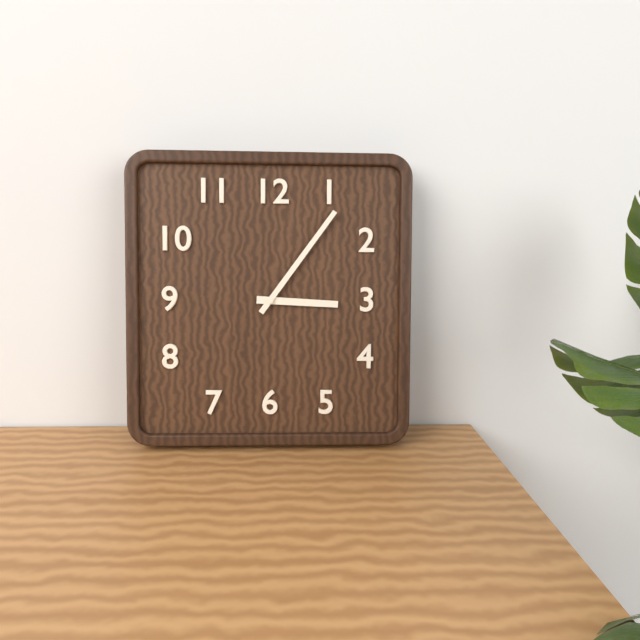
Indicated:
3 h 06 min
